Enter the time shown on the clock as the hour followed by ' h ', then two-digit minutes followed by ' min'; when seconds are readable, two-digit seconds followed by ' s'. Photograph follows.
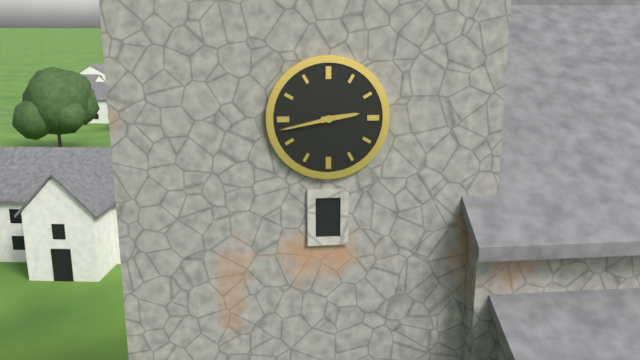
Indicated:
2 h 43 min
